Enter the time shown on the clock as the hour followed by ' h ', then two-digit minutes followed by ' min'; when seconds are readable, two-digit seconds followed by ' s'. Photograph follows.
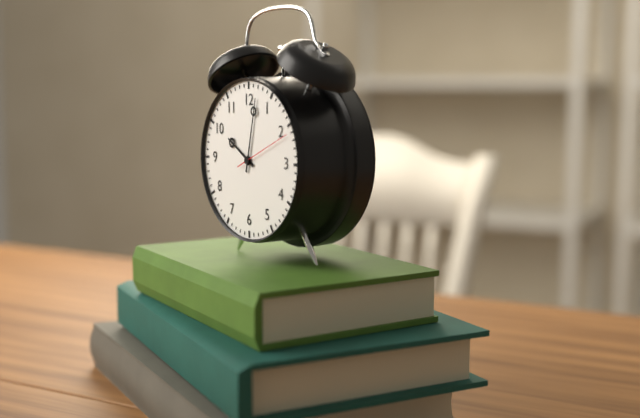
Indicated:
10 h 02 min 11 s
